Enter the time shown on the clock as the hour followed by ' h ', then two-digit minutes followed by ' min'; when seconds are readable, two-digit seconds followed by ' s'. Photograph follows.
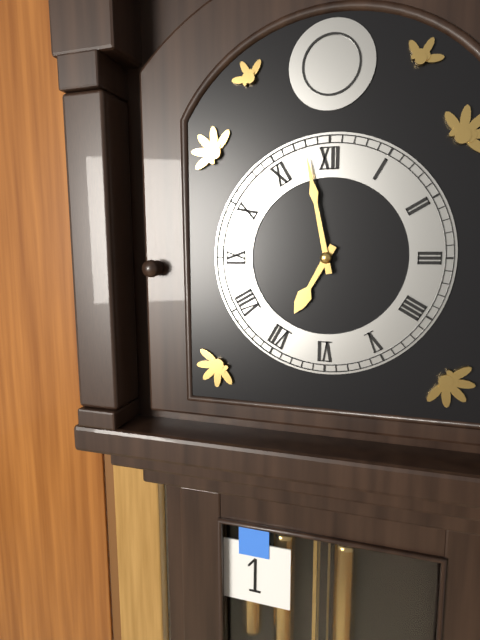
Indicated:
6 h 58 min
